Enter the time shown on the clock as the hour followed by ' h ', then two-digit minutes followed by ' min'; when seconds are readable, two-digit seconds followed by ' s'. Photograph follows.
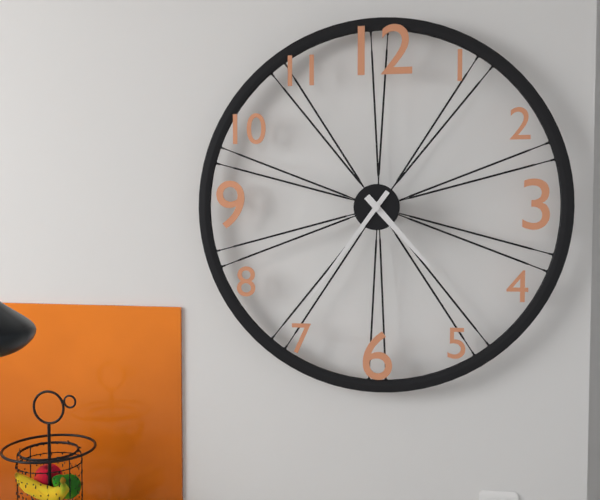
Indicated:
4 h 36 min
